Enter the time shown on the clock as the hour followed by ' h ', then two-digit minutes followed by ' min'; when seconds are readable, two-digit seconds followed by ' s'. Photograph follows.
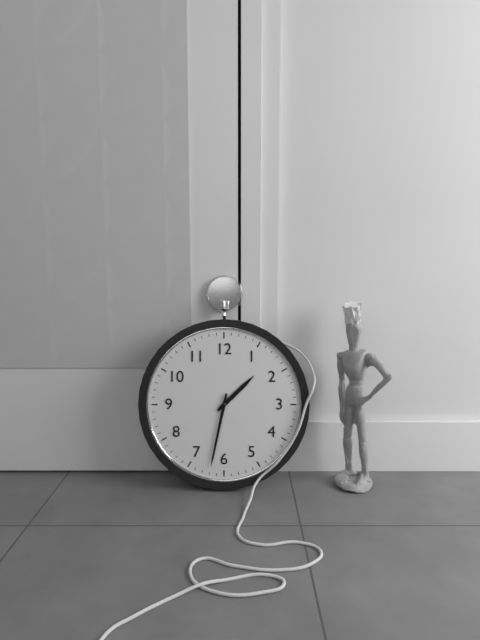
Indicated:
1 h 32 min
